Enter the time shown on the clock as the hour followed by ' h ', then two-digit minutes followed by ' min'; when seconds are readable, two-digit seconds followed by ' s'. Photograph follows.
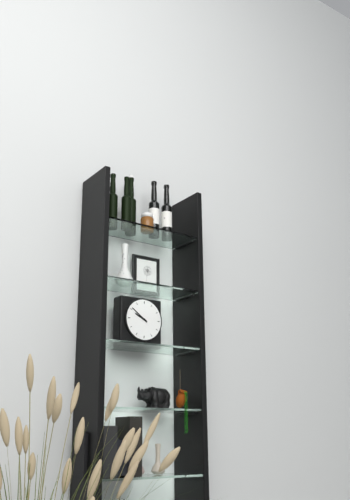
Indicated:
9 h 51 min
